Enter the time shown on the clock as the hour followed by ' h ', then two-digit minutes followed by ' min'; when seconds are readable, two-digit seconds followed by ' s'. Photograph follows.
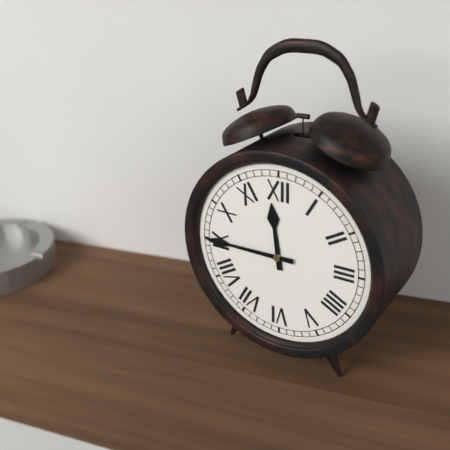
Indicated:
11 h 45 min
